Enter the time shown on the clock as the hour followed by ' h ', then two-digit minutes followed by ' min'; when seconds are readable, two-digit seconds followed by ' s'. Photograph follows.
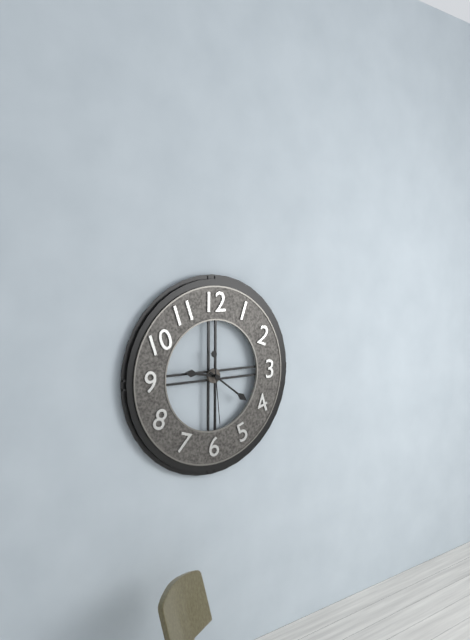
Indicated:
9 h 21 min 29 s
